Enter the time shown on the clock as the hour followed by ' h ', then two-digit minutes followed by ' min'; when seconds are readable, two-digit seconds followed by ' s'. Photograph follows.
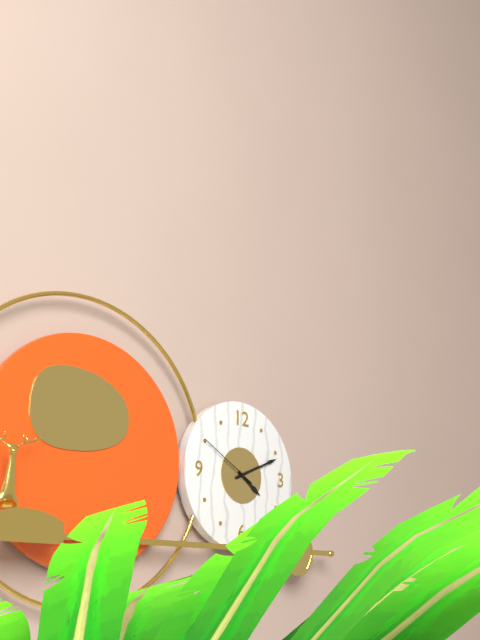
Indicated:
4 h 11 min 50 s
